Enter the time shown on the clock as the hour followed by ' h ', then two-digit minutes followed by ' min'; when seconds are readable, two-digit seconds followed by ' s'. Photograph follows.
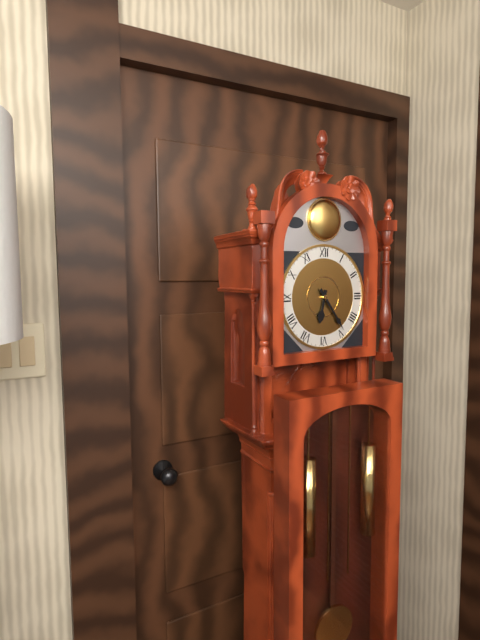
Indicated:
6 h 24 min
